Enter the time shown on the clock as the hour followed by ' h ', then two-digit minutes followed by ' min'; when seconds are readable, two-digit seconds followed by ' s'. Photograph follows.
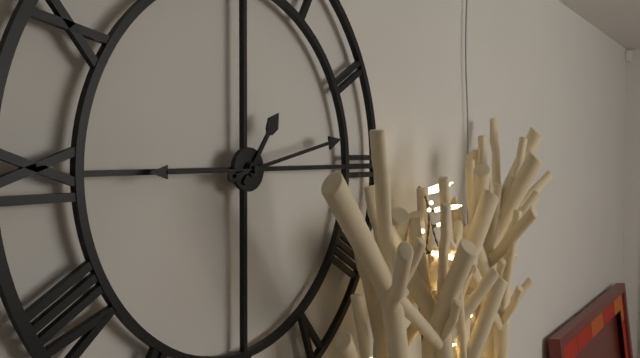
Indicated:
1 h 13 min 45 s
